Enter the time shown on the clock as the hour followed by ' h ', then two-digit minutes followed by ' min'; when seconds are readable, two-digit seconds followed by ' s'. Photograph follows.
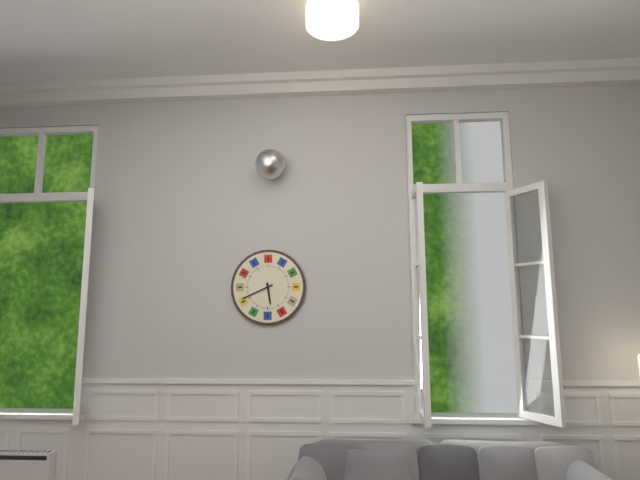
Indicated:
5 h 41 min
